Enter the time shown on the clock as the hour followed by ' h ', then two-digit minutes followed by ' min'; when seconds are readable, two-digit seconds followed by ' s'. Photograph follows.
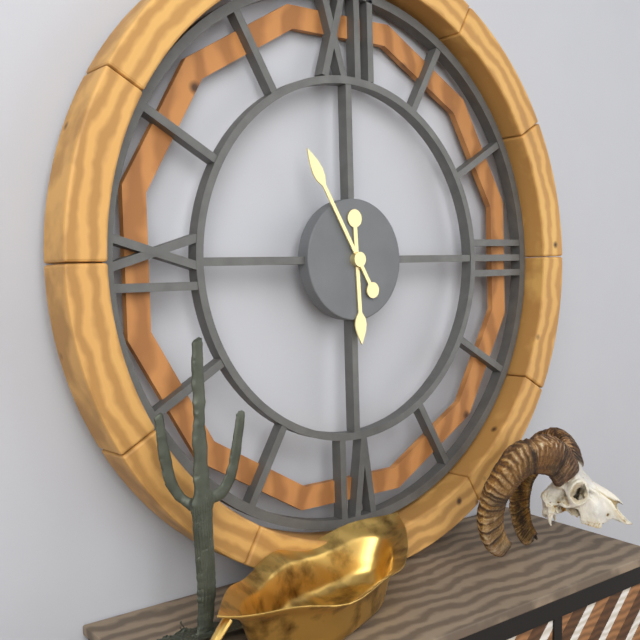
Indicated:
5 h 55 min
